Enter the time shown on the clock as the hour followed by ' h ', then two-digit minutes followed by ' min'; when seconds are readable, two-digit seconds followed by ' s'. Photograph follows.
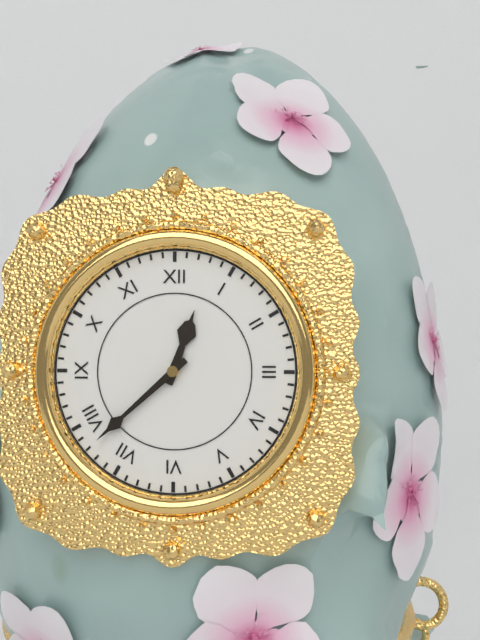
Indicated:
12 h 38 min
